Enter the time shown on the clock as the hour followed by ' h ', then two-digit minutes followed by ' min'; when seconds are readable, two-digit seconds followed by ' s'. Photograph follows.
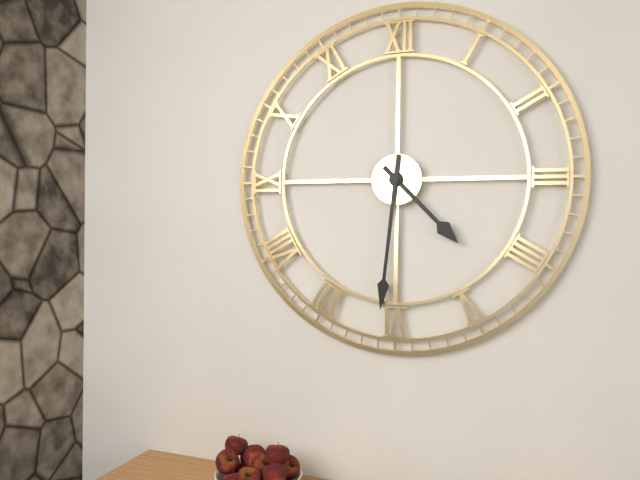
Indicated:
4 h 31 min
